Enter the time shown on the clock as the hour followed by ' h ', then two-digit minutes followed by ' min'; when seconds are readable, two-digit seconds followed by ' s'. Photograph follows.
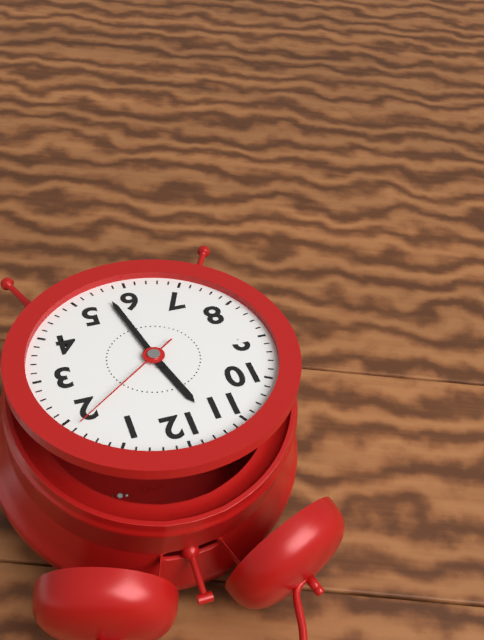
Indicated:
11 h 28 min 09 s
